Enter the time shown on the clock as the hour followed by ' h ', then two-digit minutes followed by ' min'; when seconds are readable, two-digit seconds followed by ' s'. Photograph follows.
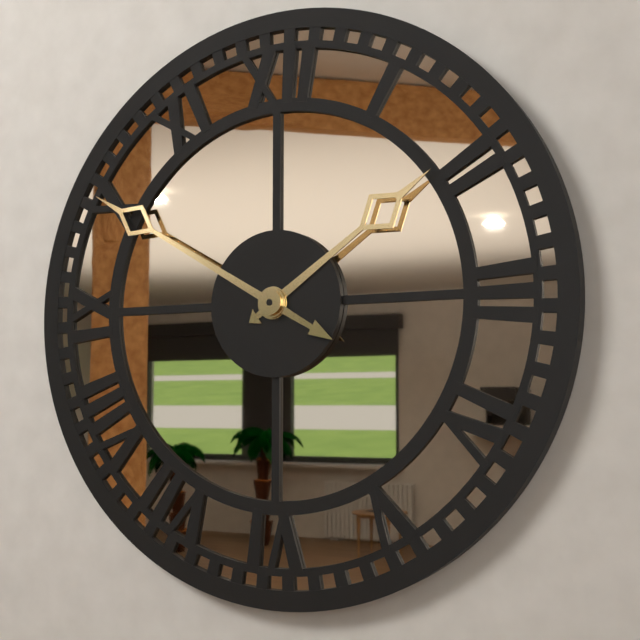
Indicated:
1 h 50 min
